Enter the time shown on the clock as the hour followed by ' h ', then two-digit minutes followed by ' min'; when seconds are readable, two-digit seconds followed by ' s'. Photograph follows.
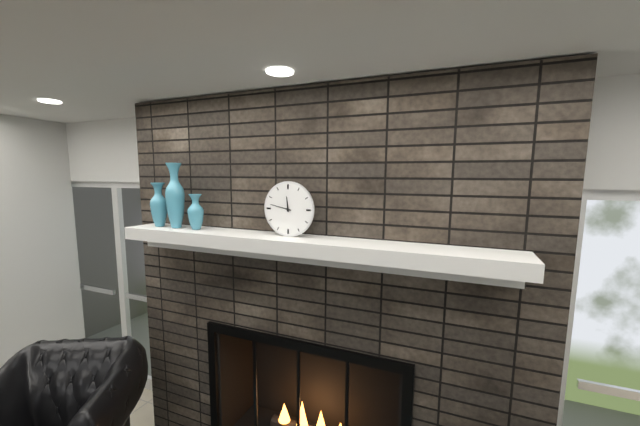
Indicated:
11 h 47 min
